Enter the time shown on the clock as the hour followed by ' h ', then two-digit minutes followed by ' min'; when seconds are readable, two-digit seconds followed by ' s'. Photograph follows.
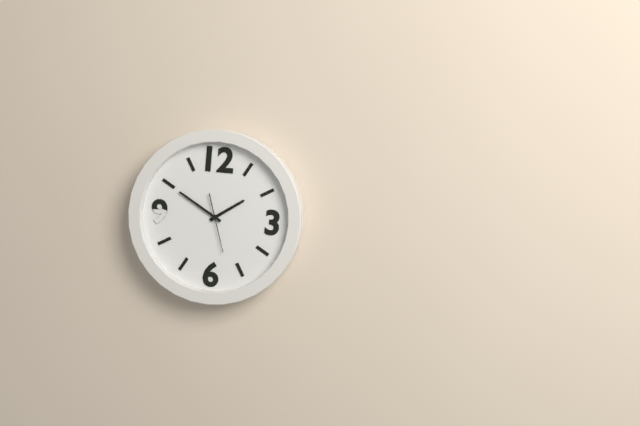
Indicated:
1 h 50 min
